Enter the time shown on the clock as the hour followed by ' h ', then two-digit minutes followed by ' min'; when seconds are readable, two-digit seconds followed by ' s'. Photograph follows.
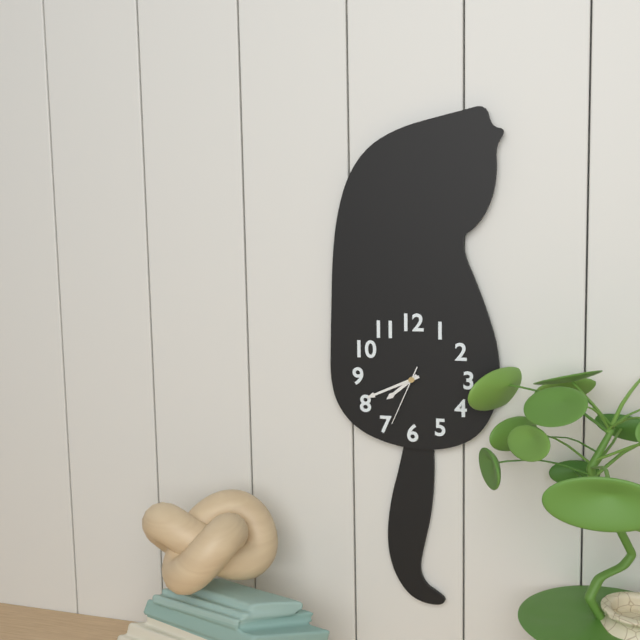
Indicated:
7 h 41 min 34 s
